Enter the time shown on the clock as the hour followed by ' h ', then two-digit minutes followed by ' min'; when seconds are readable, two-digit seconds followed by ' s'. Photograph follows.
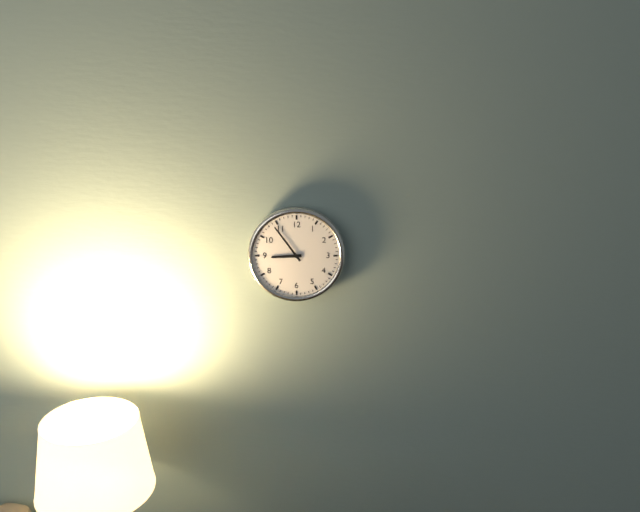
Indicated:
8 h 54 min
